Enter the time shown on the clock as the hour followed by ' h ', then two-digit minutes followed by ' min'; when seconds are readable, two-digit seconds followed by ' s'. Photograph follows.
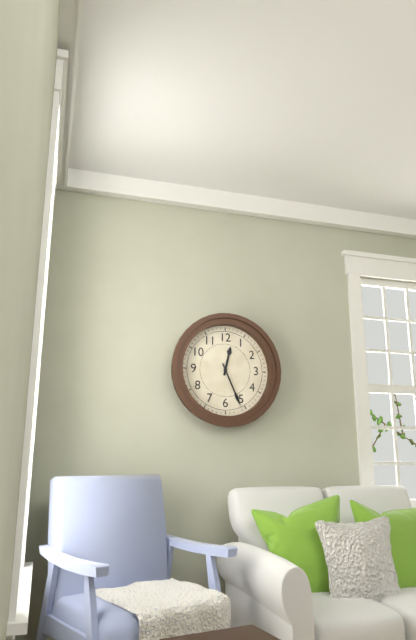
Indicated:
12 h 26 min
